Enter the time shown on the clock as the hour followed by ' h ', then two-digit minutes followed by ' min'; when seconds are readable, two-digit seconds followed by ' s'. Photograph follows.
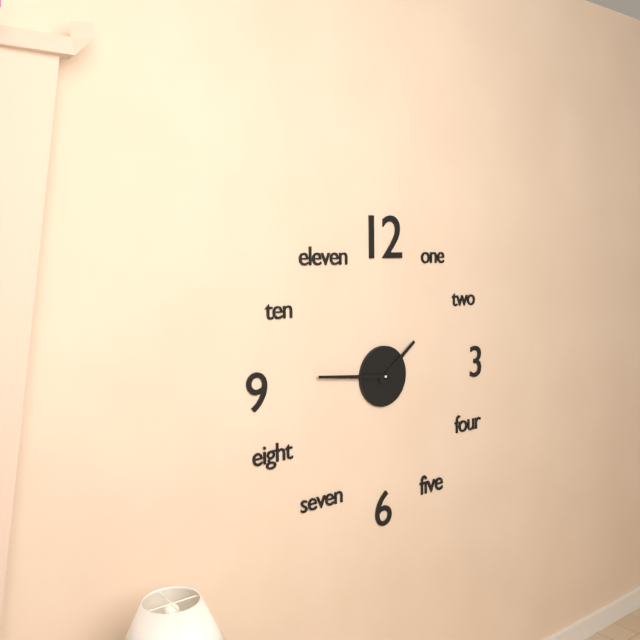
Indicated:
1 h 46 min
